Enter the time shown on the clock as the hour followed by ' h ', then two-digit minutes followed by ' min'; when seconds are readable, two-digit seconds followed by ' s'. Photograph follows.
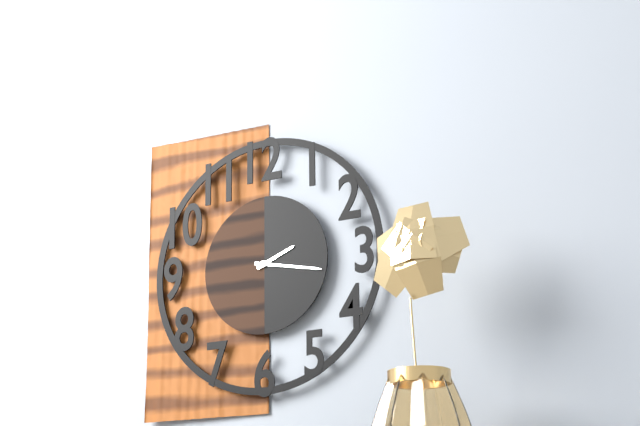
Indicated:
2 h 17 min
